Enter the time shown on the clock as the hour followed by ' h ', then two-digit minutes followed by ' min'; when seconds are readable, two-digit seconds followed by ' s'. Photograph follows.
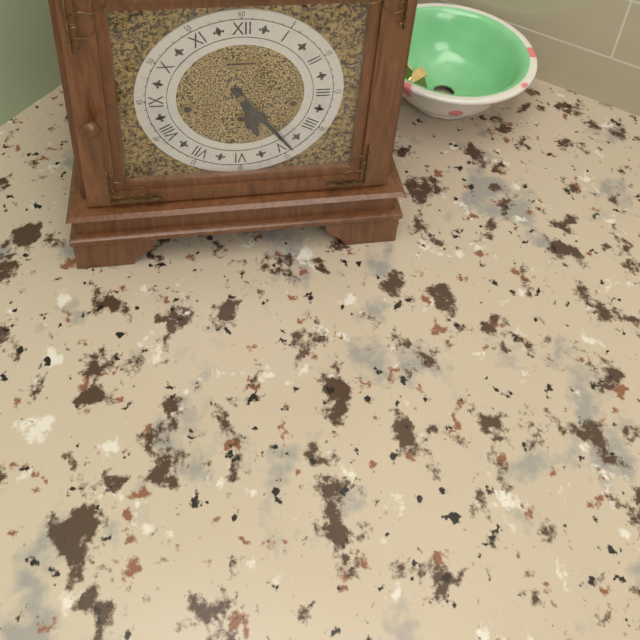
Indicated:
5 h 24 min
